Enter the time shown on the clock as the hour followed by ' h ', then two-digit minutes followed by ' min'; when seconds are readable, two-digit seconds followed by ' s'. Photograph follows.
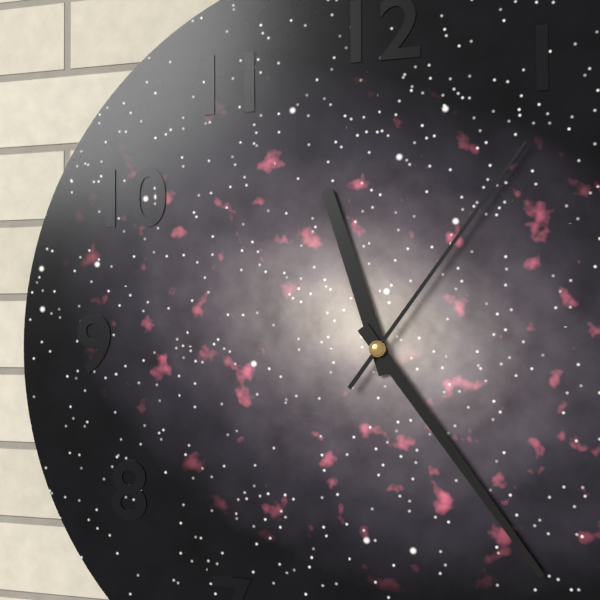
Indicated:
11 h 24 min 06 s
